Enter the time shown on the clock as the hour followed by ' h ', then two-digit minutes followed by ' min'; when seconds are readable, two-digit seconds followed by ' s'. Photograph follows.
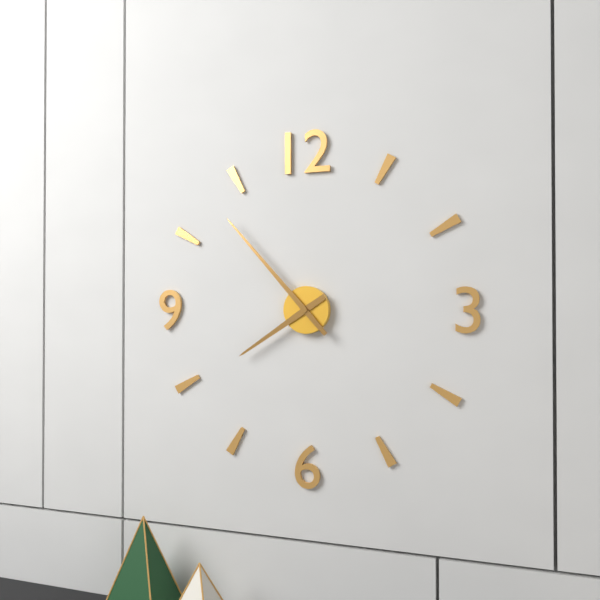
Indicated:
7 h 53 min
